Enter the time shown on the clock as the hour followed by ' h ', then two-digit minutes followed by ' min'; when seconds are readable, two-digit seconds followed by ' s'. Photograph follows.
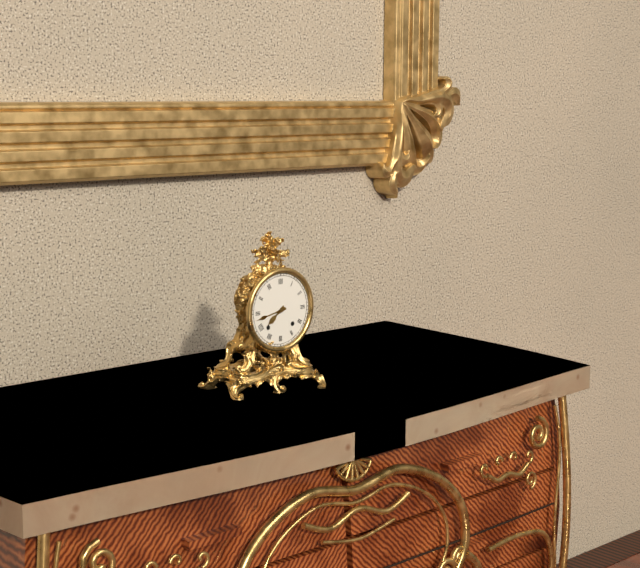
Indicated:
7 h 43 min
